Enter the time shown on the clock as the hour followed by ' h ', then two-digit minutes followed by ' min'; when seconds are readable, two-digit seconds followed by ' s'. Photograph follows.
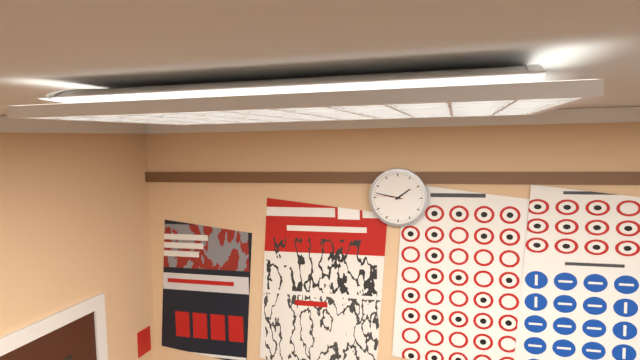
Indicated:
1 h 47 min
